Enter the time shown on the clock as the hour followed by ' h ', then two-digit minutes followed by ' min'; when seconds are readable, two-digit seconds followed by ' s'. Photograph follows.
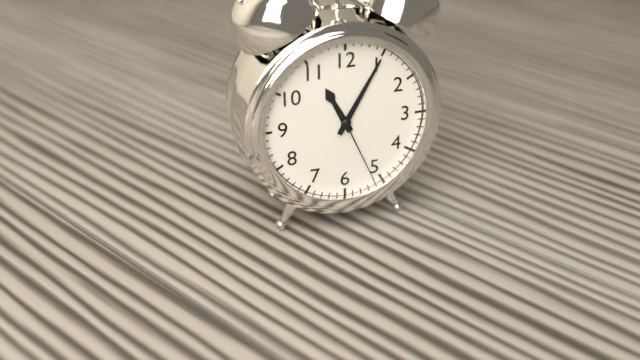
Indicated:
11 h 05 min 26 s
